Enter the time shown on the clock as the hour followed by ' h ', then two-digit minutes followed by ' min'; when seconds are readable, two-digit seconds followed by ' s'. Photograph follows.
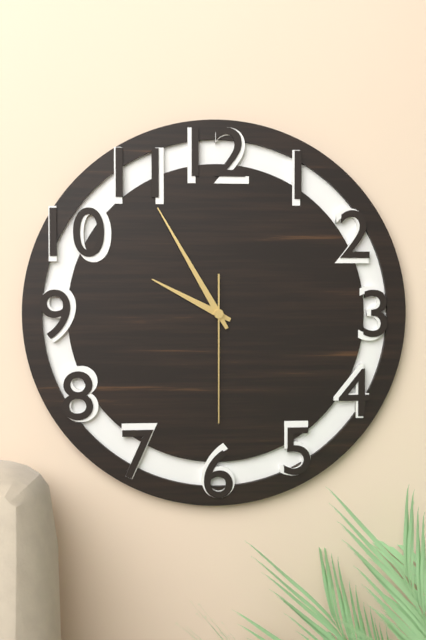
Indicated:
9 h 55 min 30 s
